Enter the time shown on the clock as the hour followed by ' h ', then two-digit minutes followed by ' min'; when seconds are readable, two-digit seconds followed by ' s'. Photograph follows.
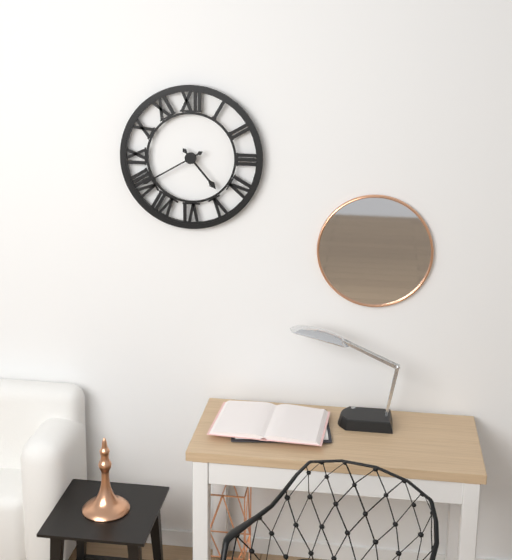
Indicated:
4 h 40 min
